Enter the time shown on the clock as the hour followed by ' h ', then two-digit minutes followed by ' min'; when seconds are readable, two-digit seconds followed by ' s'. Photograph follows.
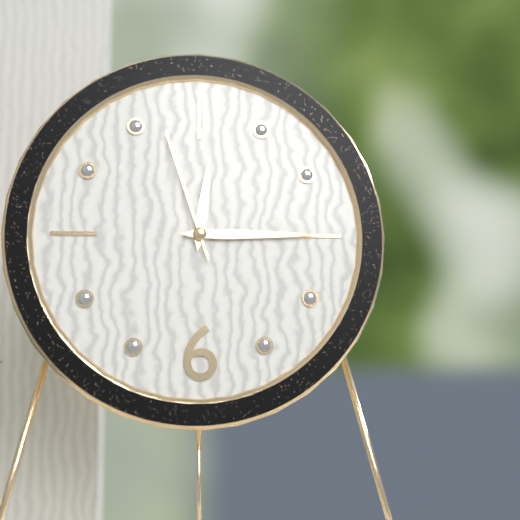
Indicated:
12 h 15 min 57 s
